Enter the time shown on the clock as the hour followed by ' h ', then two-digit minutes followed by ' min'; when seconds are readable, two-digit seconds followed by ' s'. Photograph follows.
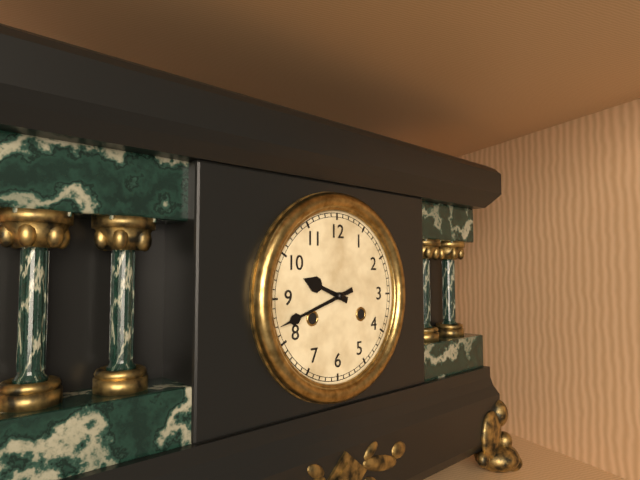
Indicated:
9 h 42 min
